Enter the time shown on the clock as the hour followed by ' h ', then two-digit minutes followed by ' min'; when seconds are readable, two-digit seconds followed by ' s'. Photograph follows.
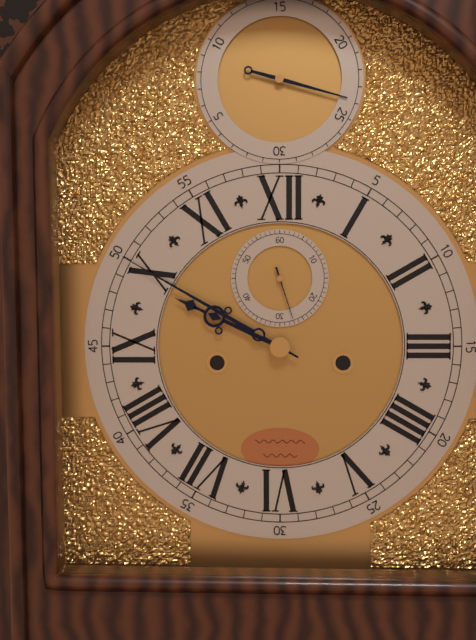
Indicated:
9 h 50 min 27 s
